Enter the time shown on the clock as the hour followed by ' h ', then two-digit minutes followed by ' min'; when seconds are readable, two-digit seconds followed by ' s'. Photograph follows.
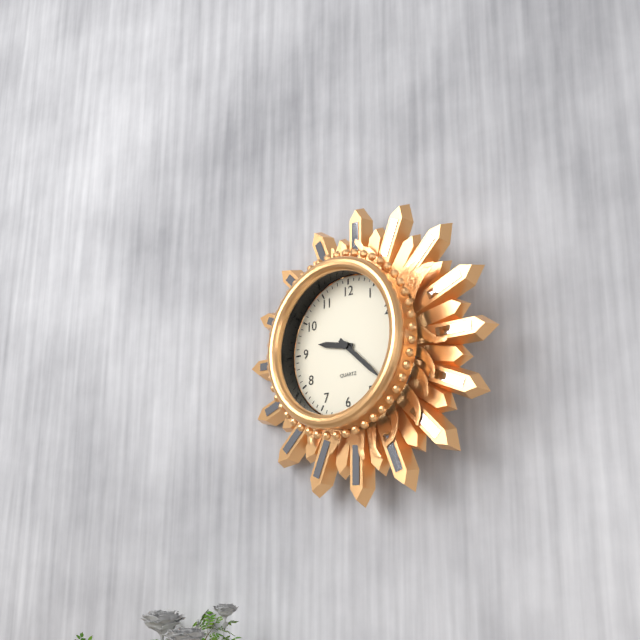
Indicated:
9 h 22 min
